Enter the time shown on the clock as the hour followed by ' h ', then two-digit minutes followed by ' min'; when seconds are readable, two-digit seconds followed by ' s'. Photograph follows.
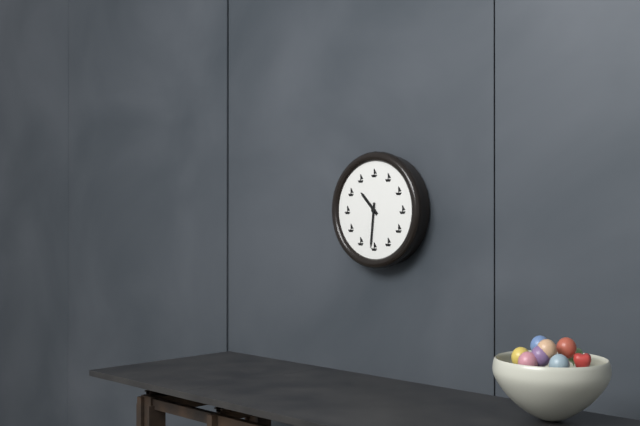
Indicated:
10 h 31 min
